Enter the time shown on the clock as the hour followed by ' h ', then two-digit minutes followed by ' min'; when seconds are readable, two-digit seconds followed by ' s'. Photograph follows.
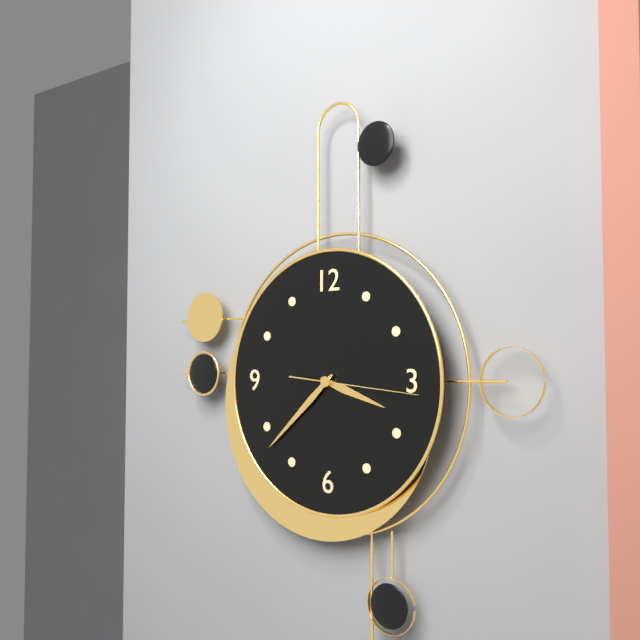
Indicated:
3 h 38 min 16 s
